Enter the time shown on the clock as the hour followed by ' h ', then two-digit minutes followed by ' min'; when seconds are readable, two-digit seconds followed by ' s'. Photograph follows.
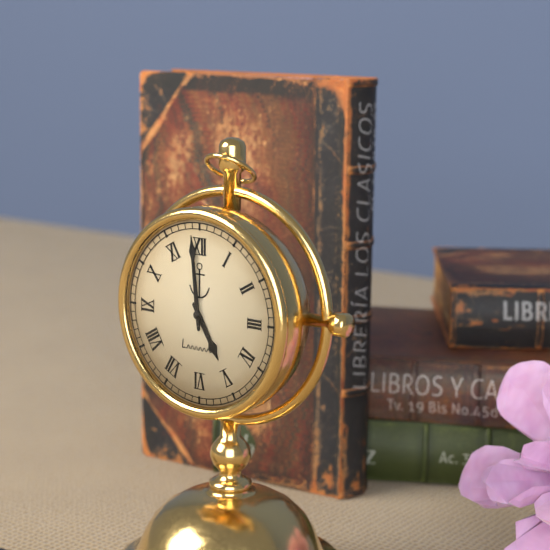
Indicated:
4 h 59 min
